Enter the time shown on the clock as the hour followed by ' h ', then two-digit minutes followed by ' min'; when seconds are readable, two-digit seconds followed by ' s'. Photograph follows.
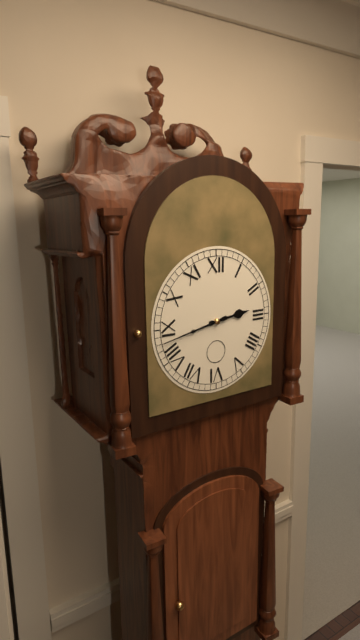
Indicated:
2 h 43 min
